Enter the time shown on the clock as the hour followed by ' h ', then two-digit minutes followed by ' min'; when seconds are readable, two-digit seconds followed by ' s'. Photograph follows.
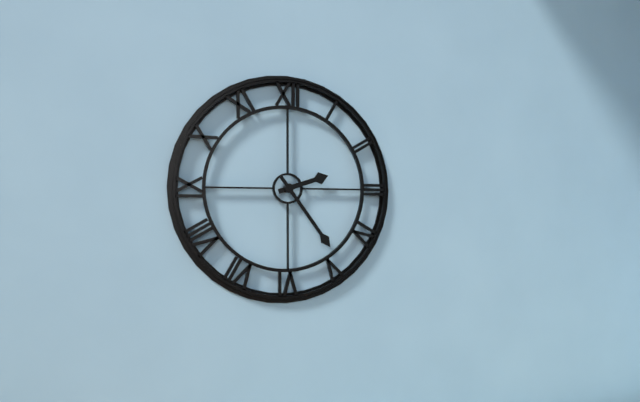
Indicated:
2 h 24 min
